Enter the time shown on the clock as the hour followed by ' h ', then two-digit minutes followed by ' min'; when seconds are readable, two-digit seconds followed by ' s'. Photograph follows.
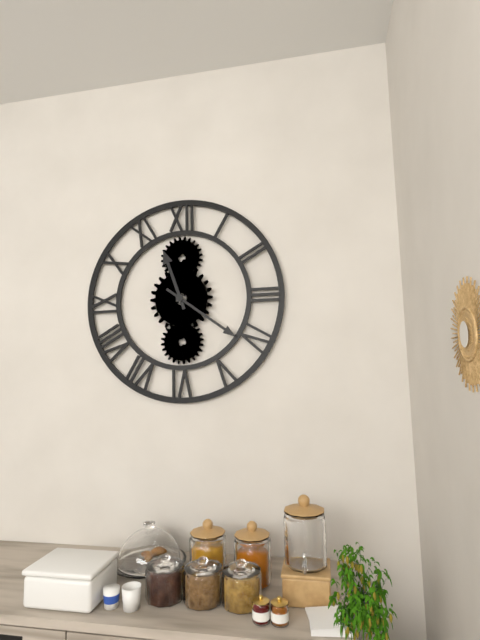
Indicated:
11 h 21 min
